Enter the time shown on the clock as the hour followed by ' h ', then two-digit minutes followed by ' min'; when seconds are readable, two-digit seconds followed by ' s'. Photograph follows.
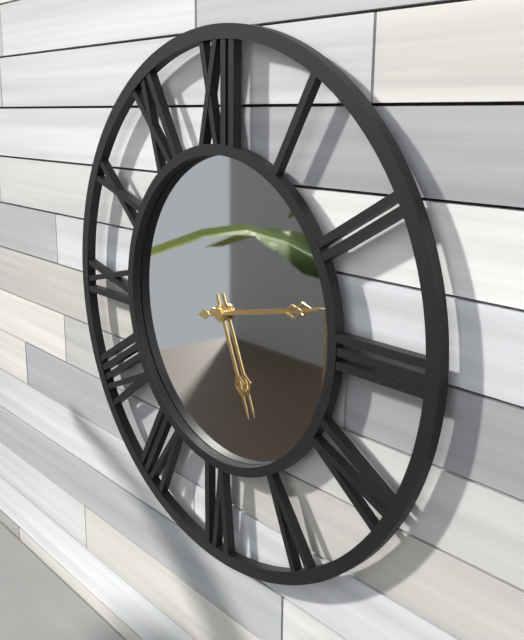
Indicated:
5 h 13 min
